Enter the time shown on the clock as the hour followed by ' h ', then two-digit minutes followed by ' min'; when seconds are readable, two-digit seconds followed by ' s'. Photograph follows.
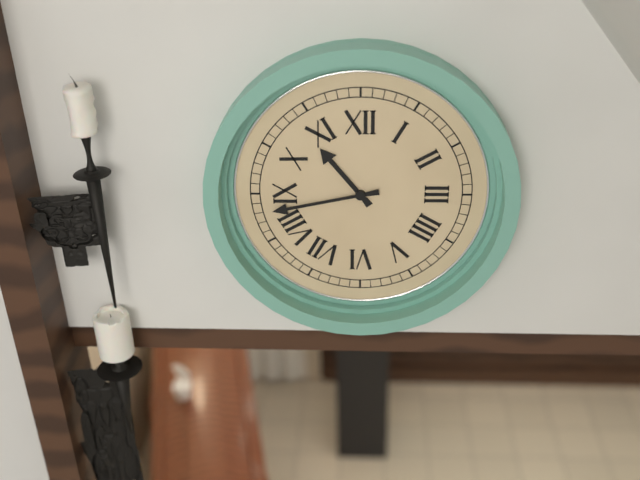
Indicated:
10 h 43 min
